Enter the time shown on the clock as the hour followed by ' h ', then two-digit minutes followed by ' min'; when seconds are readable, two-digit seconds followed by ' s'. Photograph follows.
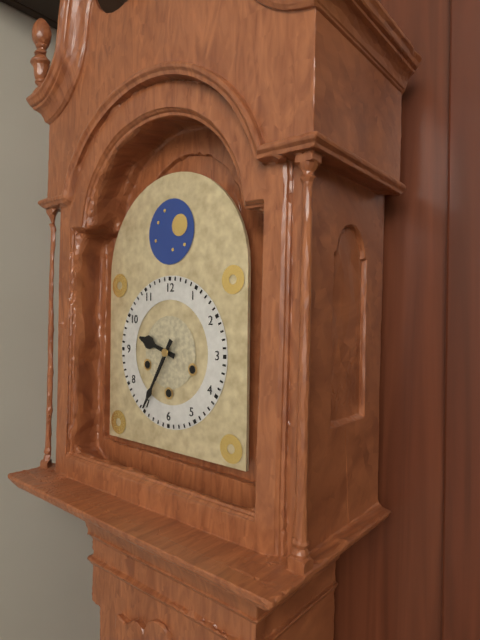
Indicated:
9 h 35 min
